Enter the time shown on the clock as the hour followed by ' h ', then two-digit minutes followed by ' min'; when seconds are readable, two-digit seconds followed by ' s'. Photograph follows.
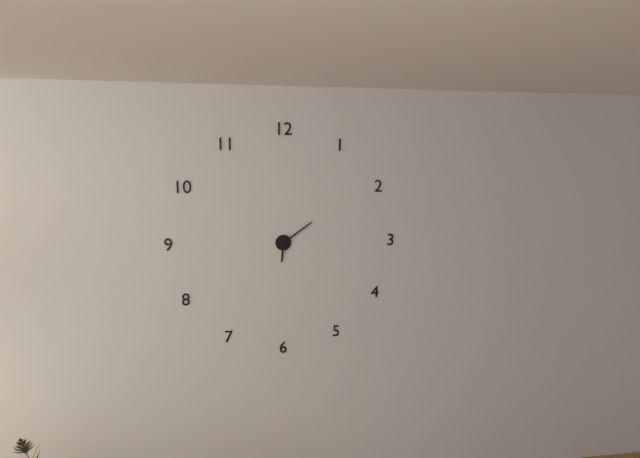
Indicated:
6 h 09 min
